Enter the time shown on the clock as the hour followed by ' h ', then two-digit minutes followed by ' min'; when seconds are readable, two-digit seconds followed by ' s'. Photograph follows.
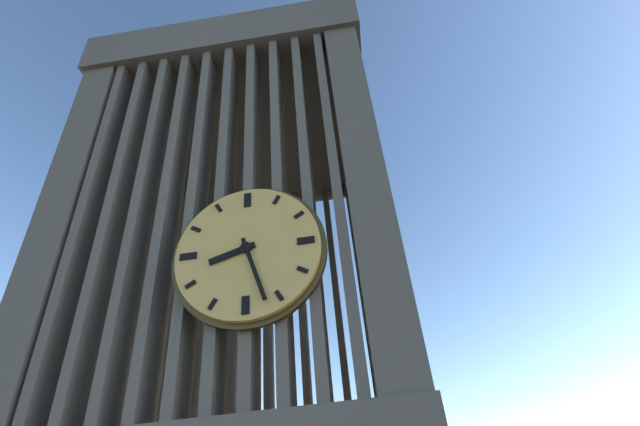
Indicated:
8 h 27 min
